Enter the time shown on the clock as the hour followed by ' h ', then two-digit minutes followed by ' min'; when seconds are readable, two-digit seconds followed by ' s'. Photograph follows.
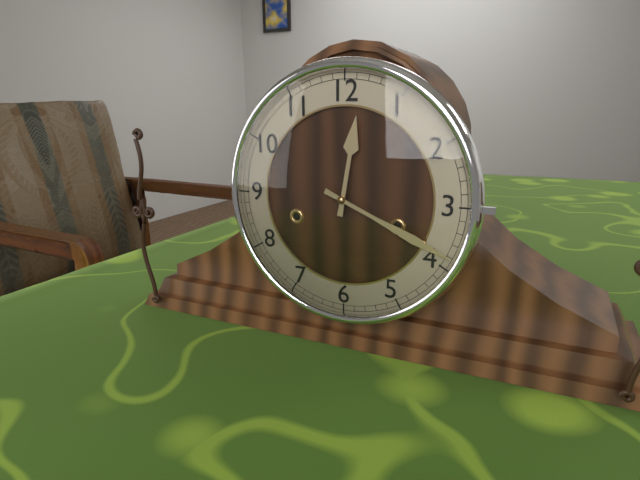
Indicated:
12 h 19 min
